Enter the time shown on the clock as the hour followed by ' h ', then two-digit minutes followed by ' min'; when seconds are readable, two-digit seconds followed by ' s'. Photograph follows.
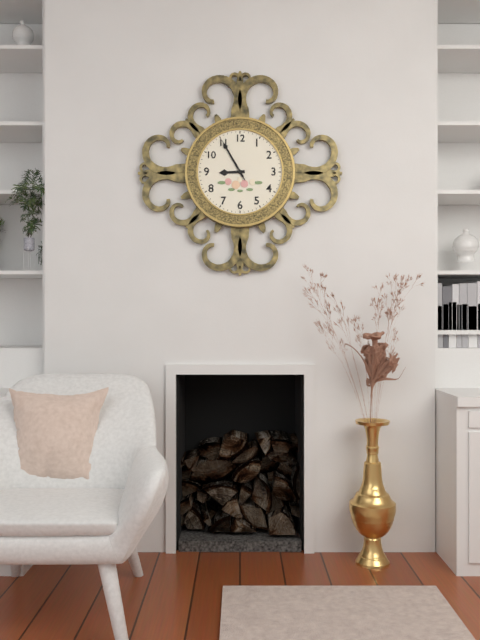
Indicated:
8 h 55 min
